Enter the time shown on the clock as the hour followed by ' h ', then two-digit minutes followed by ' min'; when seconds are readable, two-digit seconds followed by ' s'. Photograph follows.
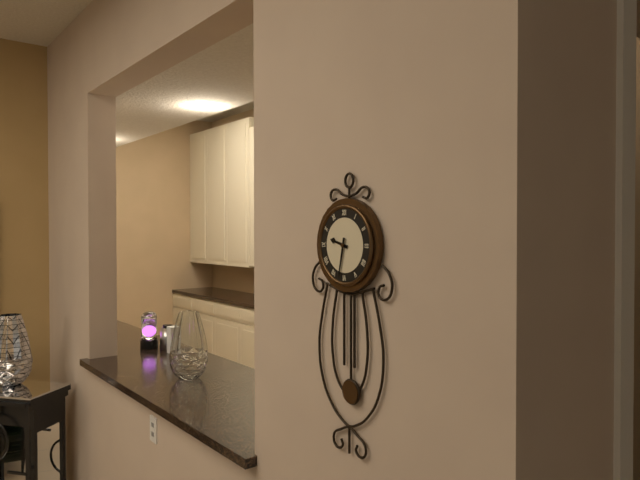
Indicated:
9 h 32 min
